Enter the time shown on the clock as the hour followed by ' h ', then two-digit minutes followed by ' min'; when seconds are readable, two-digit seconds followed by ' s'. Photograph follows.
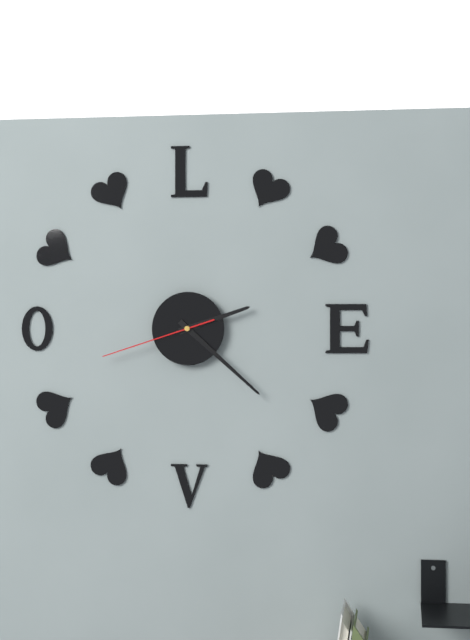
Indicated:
2 h 22 min 42 s
